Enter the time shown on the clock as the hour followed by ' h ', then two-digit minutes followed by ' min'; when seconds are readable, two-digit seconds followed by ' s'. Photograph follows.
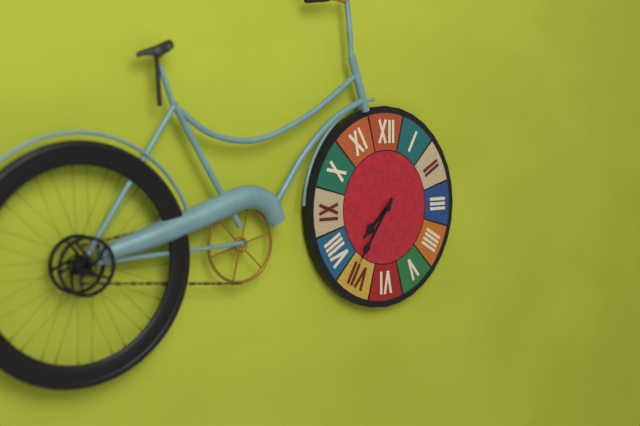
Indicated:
7 h 36 min
